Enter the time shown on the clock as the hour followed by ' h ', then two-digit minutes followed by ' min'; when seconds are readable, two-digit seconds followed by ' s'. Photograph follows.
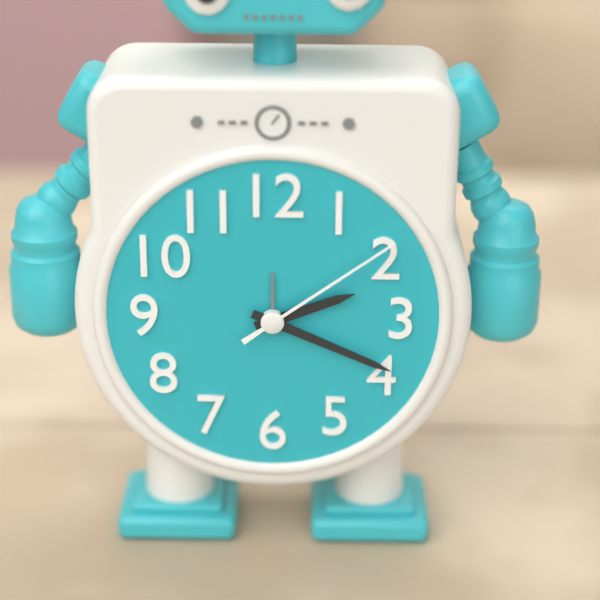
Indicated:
2 h 19 min 09 s
